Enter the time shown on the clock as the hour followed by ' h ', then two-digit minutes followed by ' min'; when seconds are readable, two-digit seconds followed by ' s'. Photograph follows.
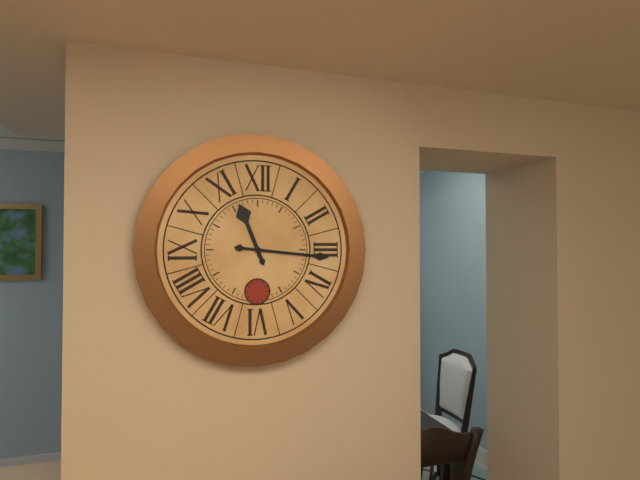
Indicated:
11 h 16 min
